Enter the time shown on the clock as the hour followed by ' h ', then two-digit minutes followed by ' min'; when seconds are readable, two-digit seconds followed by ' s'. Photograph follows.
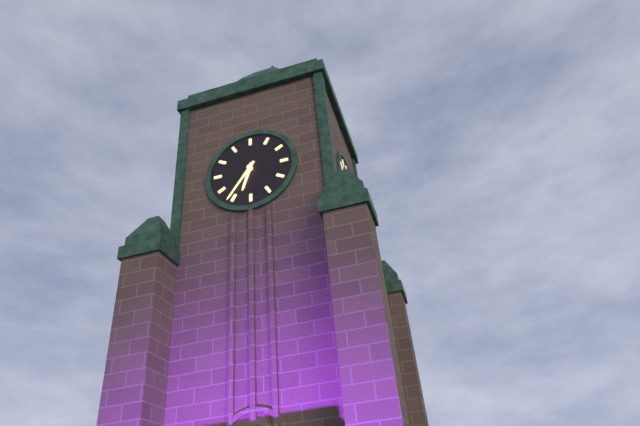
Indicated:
6 h 36 min
